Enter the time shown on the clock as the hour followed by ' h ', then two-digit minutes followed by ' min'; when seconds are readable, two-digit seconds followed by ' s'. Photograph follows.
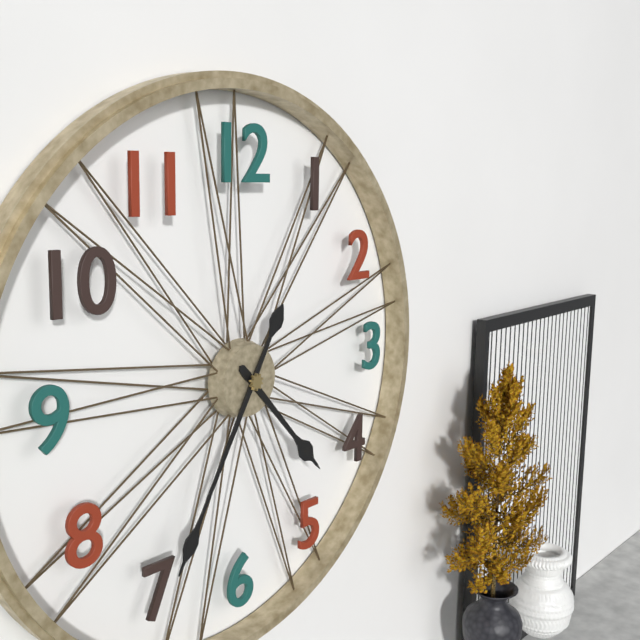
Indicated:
4 h 35 min
